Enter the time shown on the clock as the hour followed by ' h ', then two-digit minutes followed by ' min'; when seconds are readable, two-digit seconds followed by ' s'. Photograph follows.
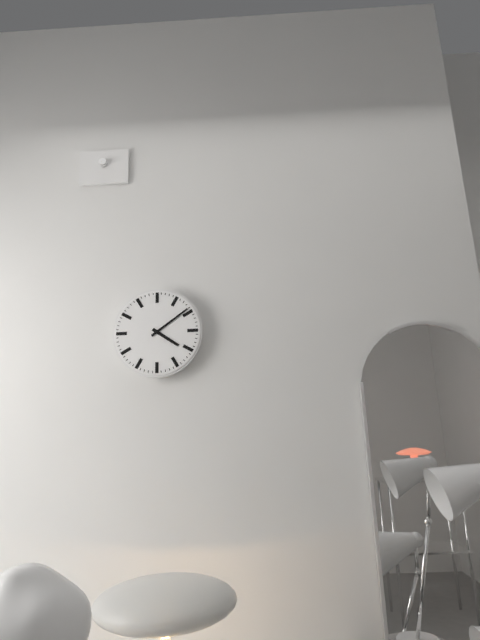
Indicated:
4 h 09 min
